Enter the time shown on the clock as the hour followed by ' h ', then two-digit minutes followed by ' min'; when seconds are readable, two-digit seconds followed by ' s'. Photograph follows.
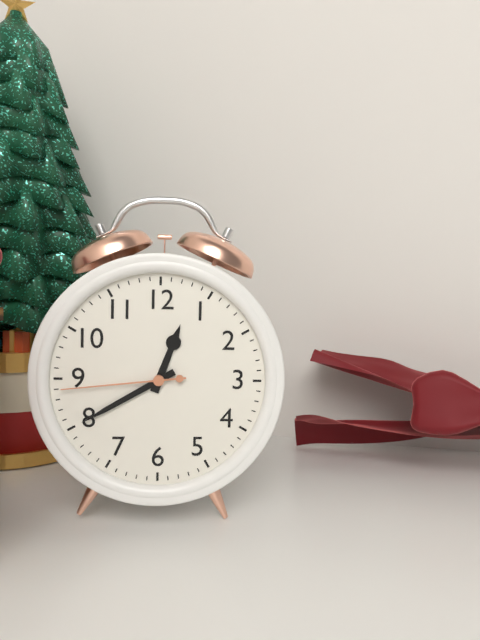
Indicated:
12 h 40 min 44 s
